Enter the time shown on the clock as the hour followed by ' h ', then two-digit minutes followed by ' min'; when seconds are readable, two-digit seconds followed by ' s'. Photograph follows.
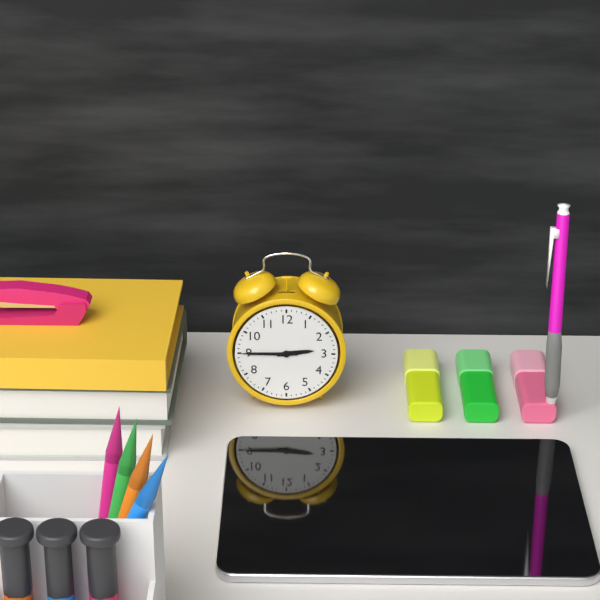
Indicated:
2 h 45 min
